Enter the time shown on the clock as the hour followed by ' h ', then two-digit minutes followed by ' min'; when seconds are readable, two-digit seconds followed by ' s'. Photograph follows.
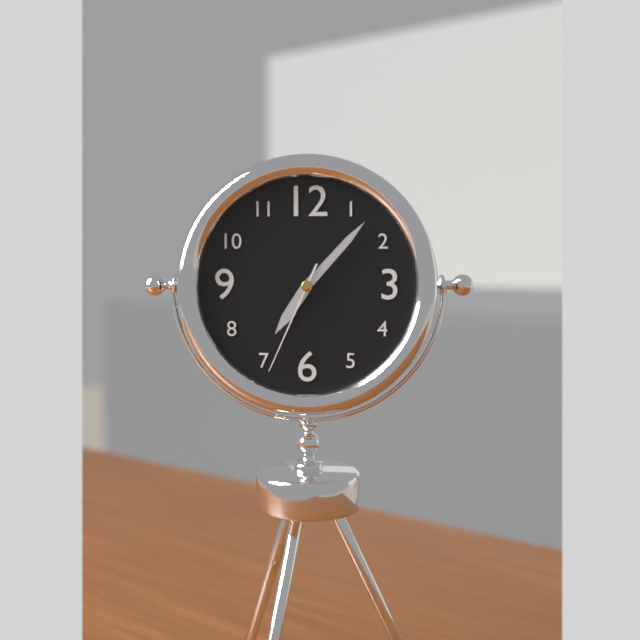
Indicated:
7 h 07 min 34 s
